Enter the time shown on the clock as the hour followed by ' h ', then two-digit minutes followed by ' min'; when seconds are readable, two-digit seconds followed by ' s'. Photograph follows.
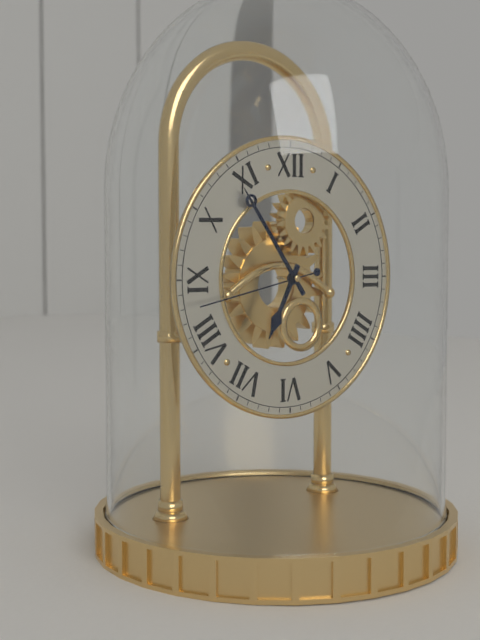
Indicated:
6 h 54 min 43 s
